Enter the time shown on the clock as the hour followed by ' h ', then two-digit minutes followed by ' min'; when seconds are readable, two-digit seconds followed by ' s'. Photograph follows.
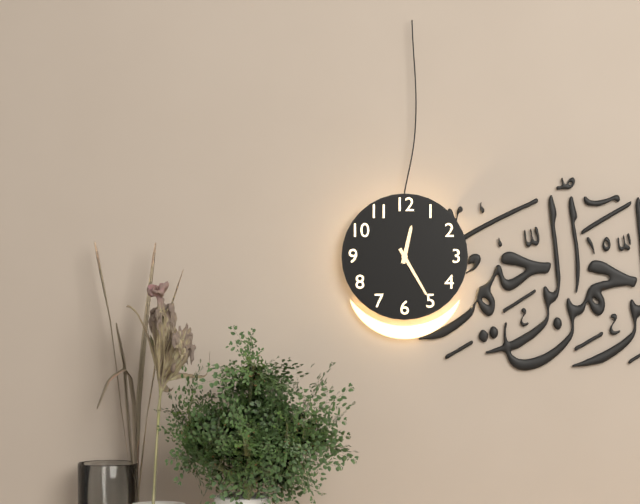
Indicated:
12 h 25 min
